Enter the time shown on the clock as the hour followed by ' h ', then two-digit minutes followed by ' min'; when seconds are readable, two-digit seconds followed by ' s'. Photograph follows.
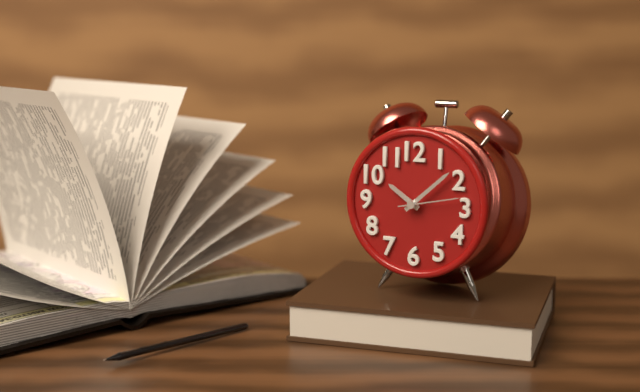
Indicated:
10 h 08 min 13 s
